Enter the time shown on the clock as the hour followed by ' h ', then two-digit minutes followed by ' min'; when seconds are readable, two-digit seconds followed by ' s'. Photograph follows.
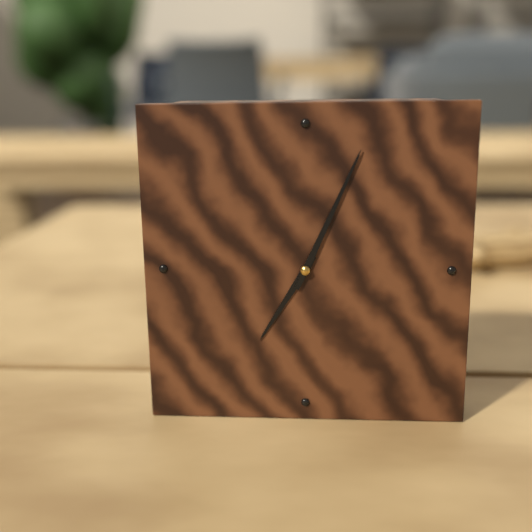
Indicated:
7 h 04 min
